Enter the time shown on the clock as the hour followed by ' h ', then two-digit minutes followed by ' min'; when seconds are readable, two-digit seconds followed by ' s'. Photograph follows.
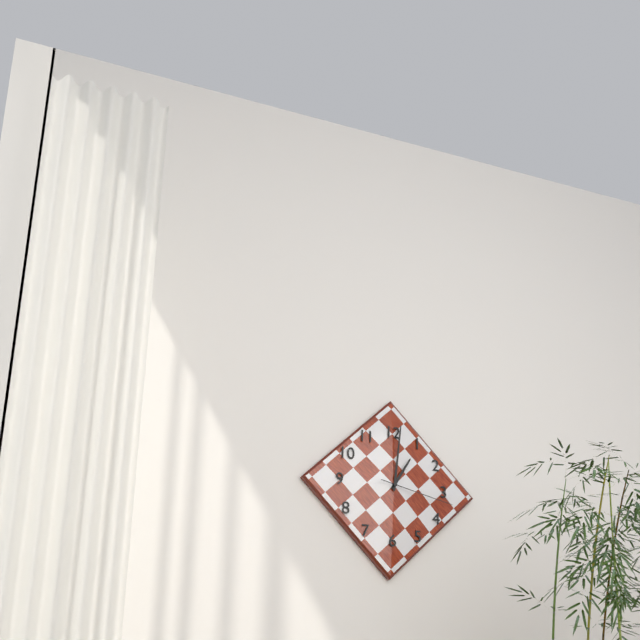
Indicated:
1 h 01 min 17 s
